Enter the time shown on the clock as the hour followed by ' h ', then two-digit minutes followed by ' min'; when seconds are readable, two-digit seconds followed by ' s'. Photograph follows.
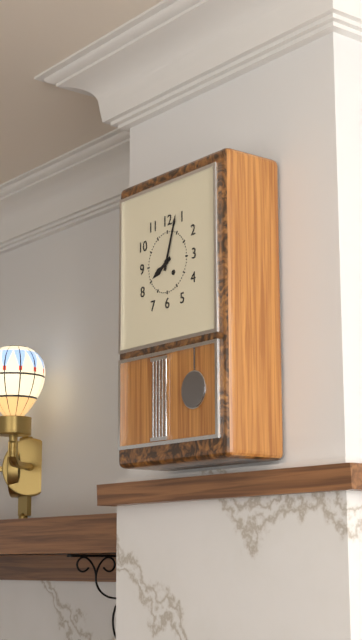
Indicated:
8 h 03 min
